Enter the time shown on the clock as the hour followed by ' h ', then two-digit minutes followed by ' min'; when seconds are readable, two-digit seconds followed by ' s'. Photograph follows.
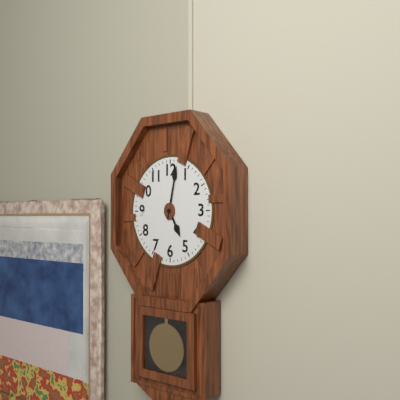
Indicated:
5 h 02 min
